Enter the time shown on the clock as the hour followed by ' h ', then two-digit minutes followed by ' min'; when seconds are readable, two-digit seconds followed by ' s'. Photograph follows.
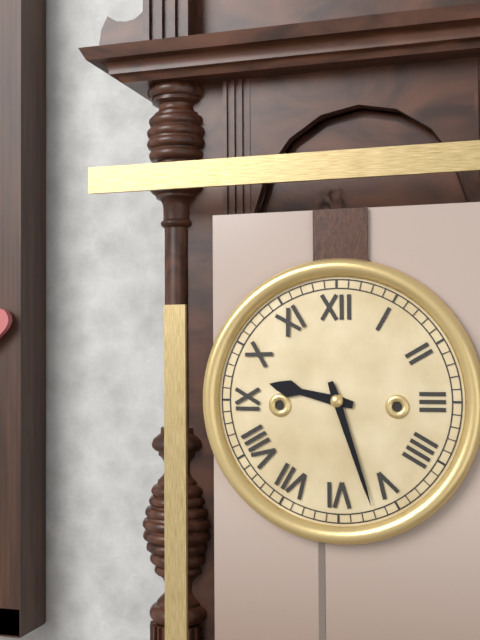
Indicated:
9 h 27 min
